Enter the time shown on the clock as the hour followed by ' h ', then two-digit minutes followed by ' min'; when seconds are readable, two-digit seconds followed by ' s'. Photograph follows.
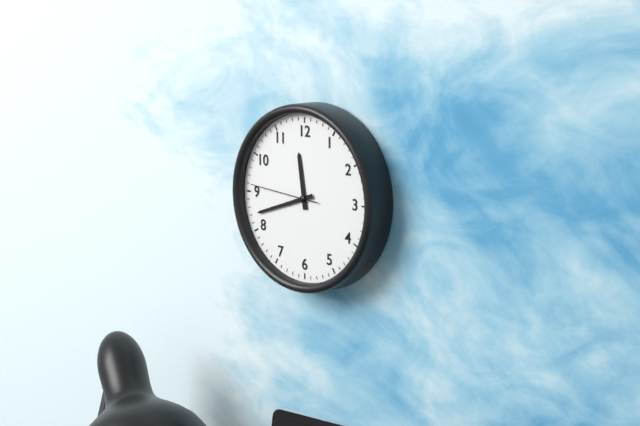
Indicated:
11 h 42 min 46 s
